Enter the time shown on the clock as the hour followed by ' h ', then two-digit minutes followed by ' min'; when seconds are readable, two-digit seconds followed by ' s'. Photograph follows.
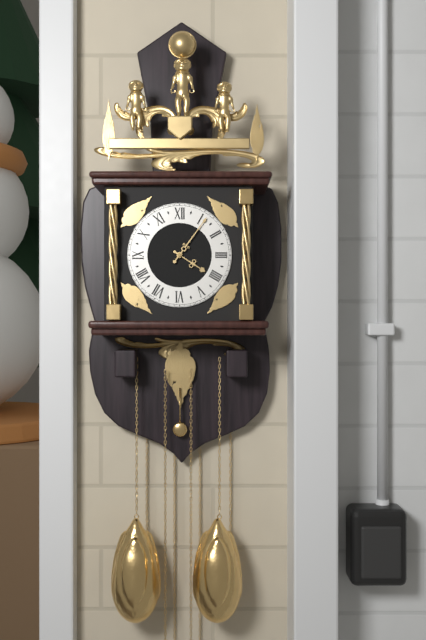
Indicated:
4 h 06 min
